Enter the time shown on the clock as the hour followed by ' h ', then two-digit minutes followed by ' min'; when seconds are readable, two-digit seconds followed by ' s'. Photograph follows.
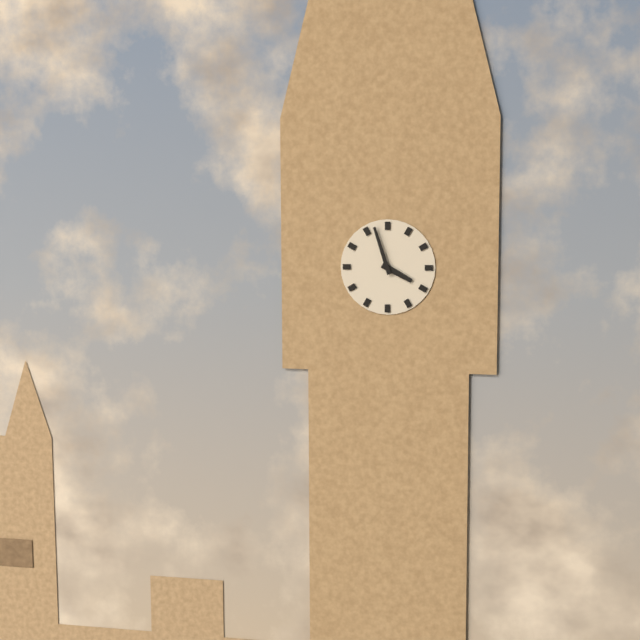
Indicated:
3 h 57 min
